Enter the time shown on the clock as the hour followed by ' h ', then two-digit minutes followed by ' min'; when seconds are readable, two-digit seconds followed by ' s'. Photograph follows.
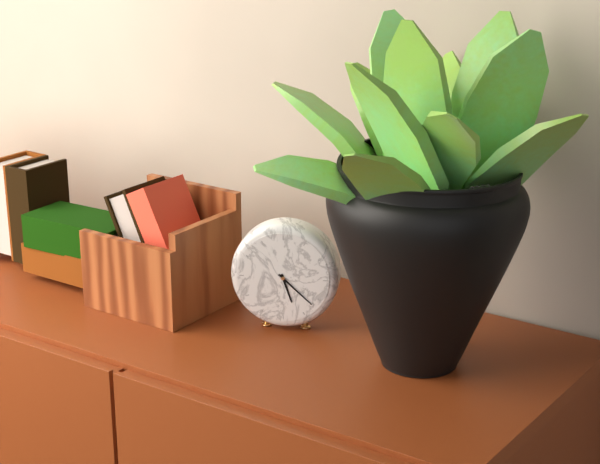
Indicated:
5 h 22 min
